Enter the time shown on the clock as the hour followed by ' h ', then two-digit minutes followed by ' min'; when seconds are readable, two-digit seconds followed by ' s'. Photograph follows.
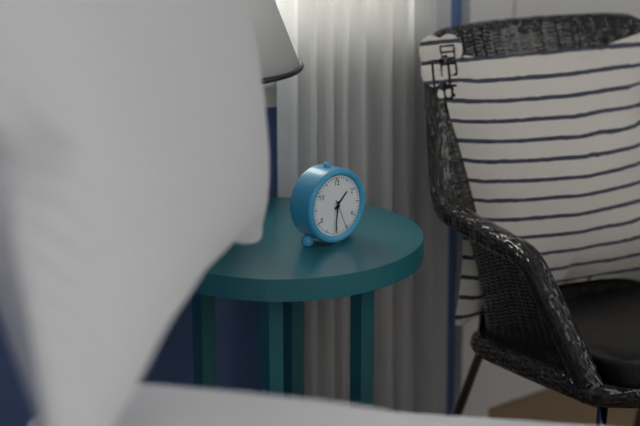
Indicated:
1 h 31 min
